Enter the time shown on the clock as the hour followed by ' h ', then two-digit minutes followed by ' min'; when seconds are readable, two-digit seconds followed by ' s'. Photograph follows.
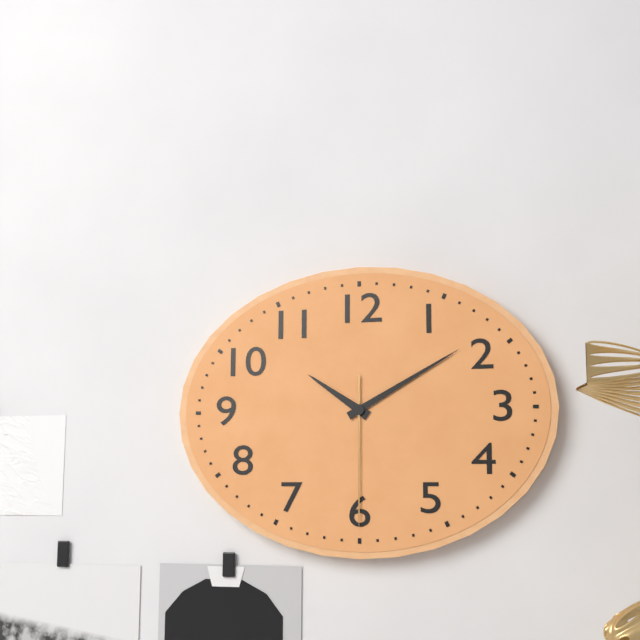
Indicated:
10 h 10 min 30 s
